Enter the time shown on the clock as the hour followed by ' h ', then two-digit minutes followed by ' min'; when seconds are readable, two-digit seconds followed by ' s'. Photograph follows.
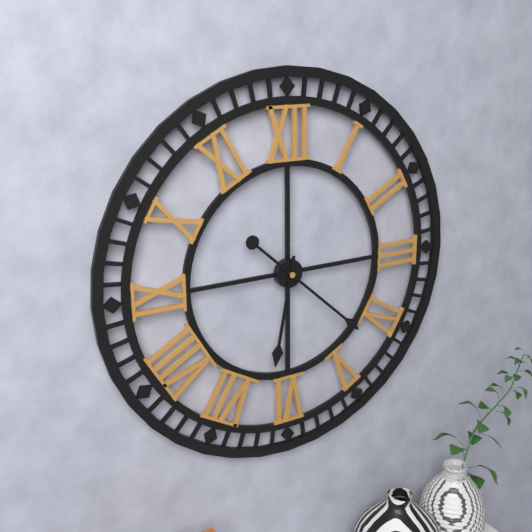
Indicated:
6 h 22 min
